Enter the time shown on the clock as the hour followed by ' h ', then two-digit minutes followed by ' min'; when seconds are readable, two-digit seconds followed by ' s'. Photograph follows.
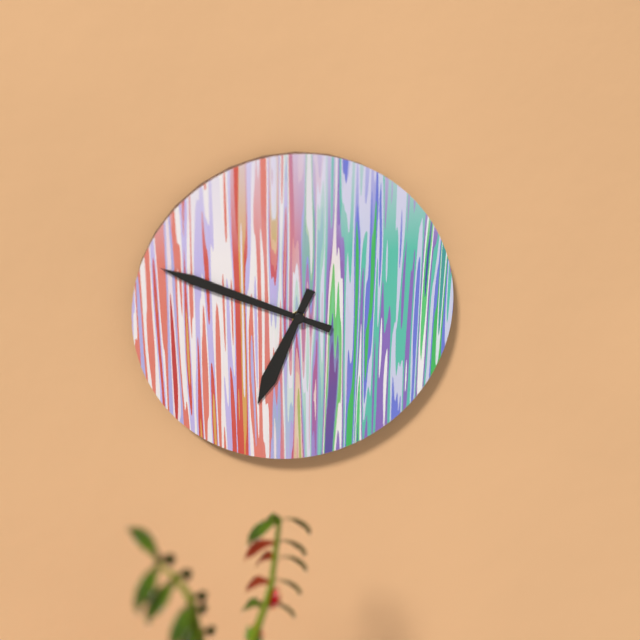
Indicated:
6 h 49 min
